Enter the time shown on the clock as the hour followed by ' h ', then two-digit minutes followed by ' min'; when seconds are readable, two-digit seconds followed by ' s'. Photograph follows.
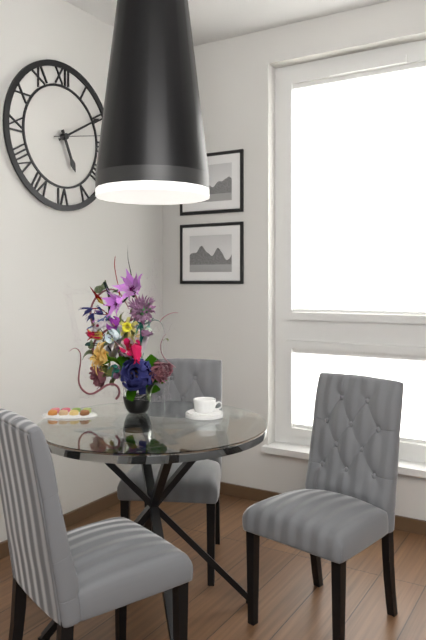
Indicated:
5 h 10 min 13 s
